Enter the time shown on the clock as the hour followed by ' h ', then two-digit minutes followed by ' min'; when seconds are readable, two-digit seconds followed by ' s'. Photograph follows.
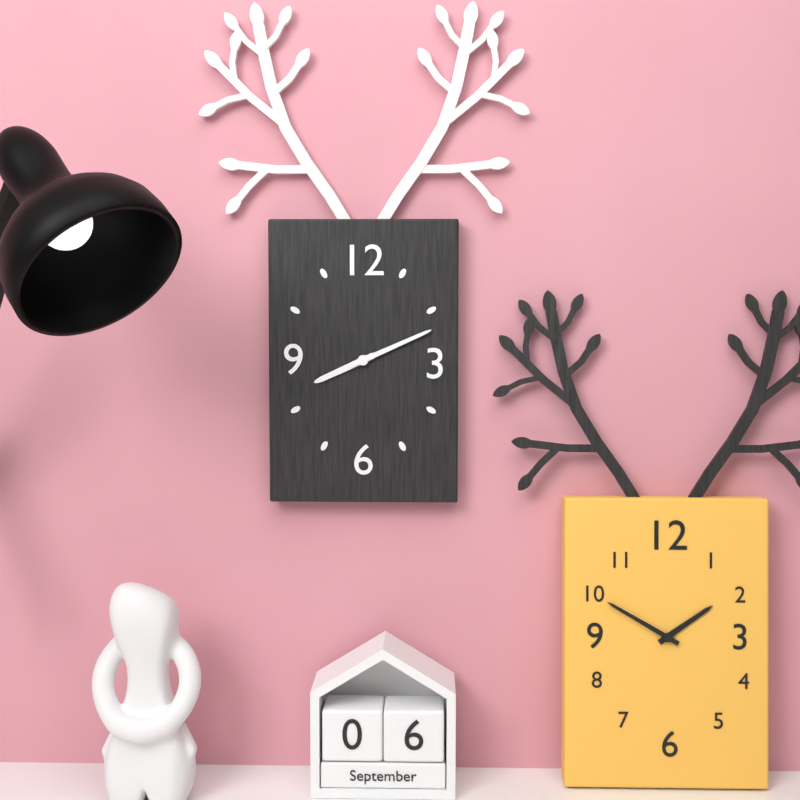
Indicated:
8 h 11 min
